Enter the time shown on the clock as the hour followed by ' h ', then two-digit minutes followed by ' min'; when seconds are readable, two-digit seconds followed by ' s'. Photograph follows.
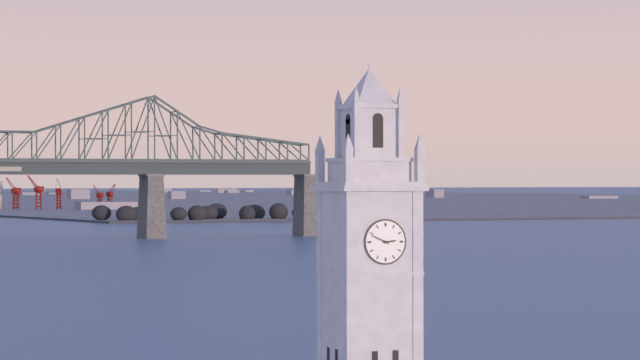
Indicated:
2 h 49 min
